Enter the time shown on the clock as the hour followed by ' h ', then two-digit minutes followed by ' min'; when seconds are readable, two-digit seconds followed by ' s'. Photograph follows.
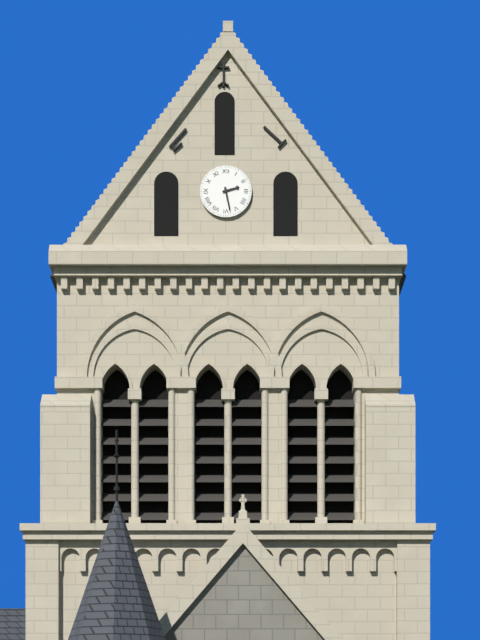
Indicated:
2 h 28 min
